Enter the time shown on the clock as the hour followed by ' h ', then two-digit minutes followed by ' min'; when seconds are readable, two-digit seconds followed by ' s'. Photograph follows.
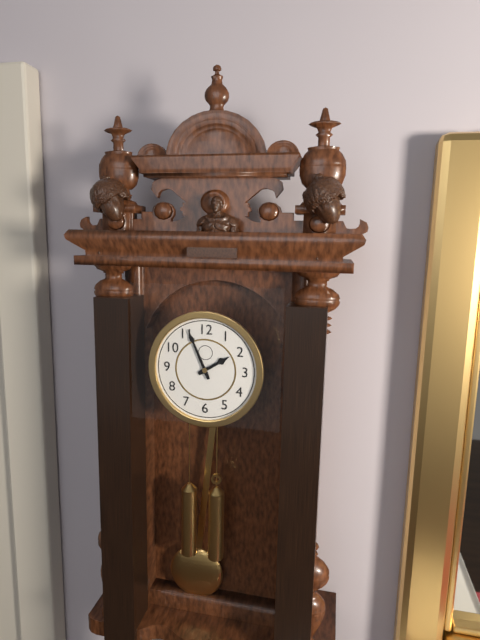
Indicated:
1 h 56 min
